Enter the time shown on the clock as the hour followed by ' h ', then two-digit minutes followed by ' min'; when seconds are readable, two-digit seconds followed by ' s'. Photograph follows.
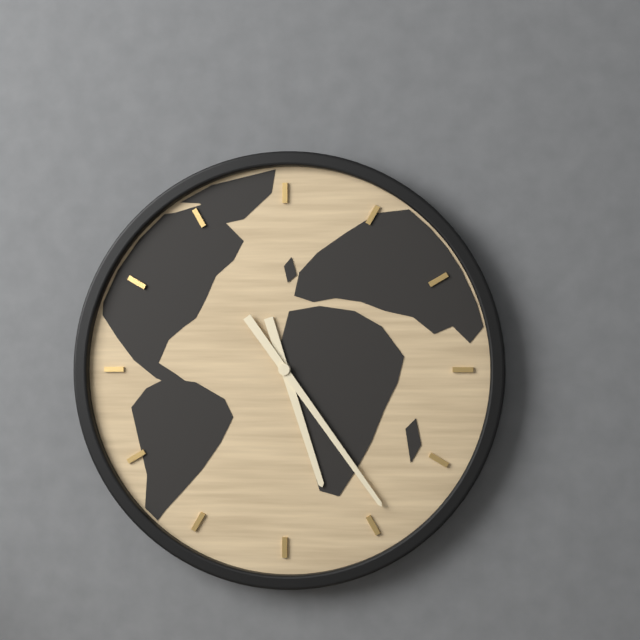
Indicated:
5 h 24 min
